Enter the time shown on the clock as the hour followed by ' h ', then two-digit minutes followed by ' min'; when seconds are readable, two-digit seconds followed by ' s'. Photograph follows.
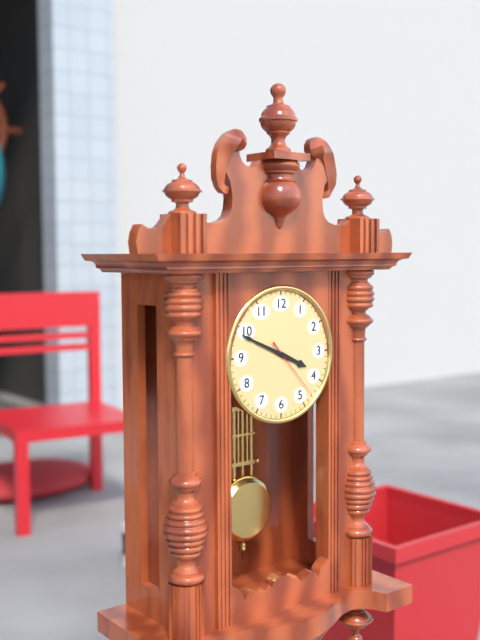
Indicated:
3 h 49 min 23 s
